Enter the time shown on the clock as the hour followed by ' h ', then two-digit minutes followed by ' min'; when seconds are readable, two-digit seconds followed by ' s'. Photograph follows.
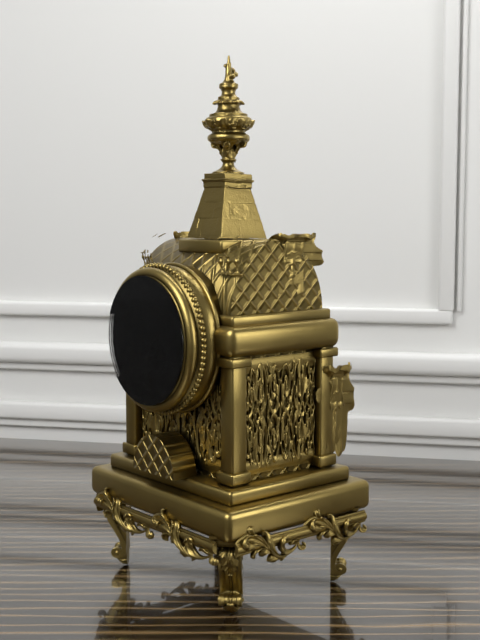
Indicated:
5 h 58 min
